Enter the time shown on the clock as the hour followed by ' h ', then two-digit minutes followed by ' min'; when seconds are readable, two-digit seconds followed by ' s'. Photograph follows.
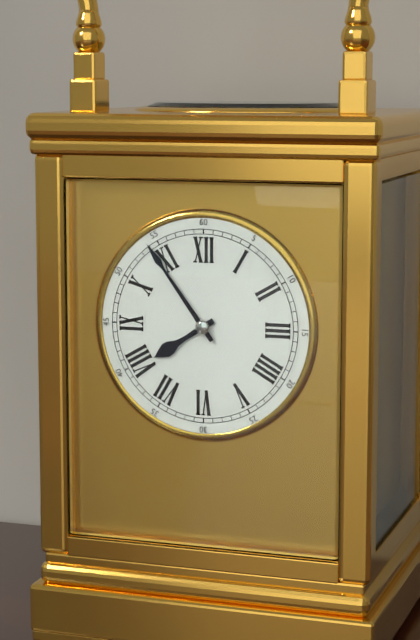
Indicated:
7 h 54 min
